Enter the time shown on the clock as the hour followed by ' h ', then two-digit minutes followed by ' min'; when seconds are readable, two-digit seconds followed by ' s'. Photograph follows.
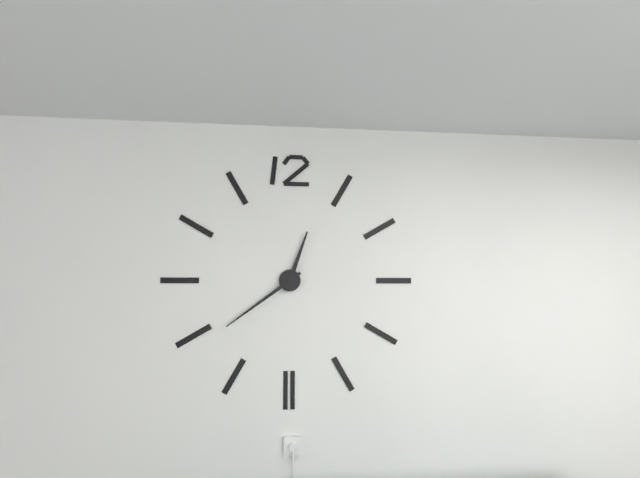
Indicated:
12 h 39 min
